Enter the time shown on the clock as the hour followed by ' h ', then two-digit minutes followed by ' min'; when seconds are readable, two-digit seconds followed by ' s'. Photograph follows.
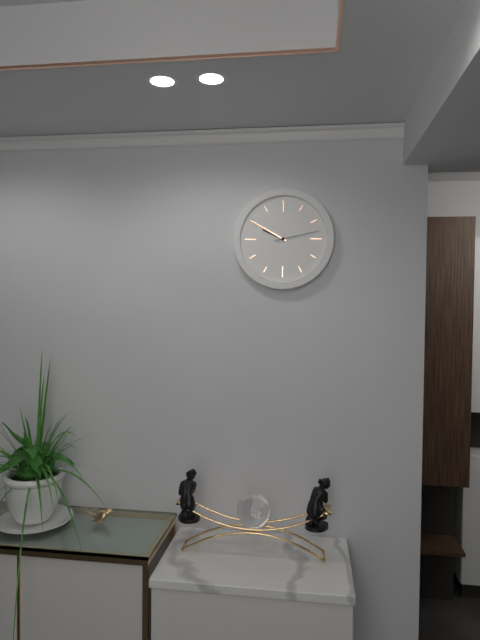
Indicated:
9 h 50 min
